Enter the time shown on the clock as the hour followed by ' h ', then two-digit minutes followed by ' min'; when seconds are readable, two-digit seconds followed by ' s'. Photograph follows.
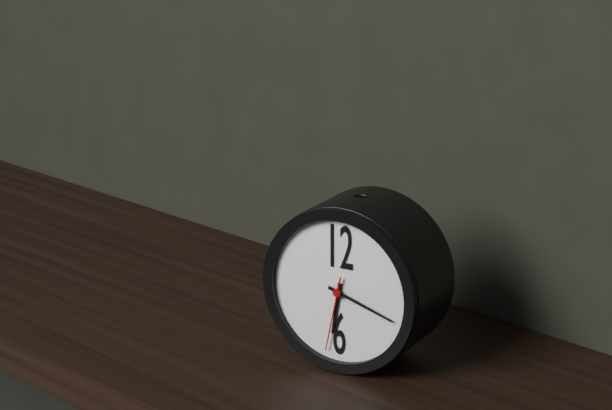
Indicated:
6 h 18 min 32 s
